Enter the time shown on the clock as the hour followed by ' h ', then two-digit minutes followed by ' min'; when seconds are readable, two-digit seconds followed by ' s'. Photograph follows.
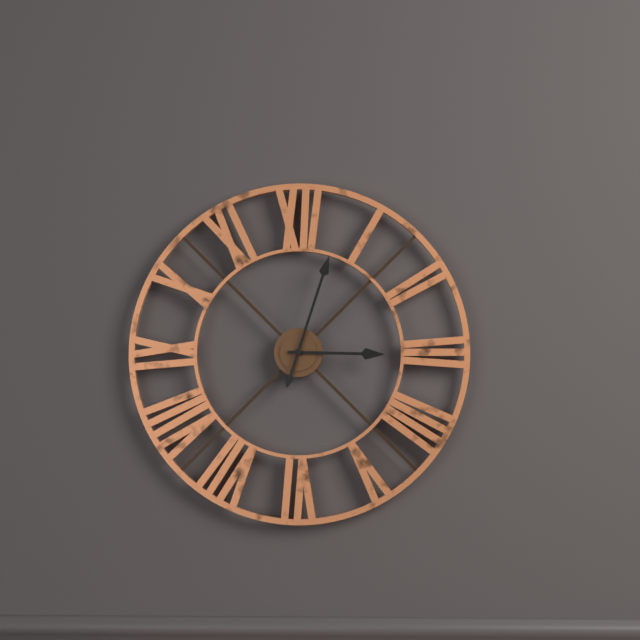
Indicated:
3 h 03 min
